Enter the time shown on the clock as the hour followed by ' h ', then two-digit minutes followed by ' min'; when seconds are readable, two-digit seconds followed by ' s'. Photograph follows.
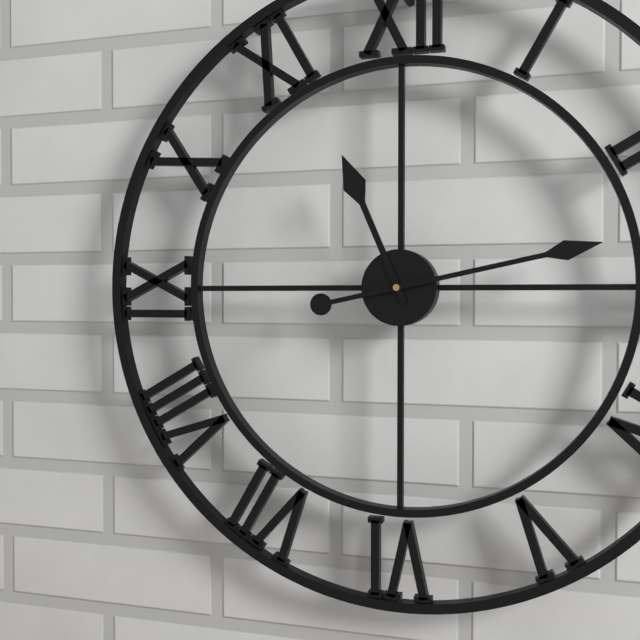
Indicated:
11 h 13 min
